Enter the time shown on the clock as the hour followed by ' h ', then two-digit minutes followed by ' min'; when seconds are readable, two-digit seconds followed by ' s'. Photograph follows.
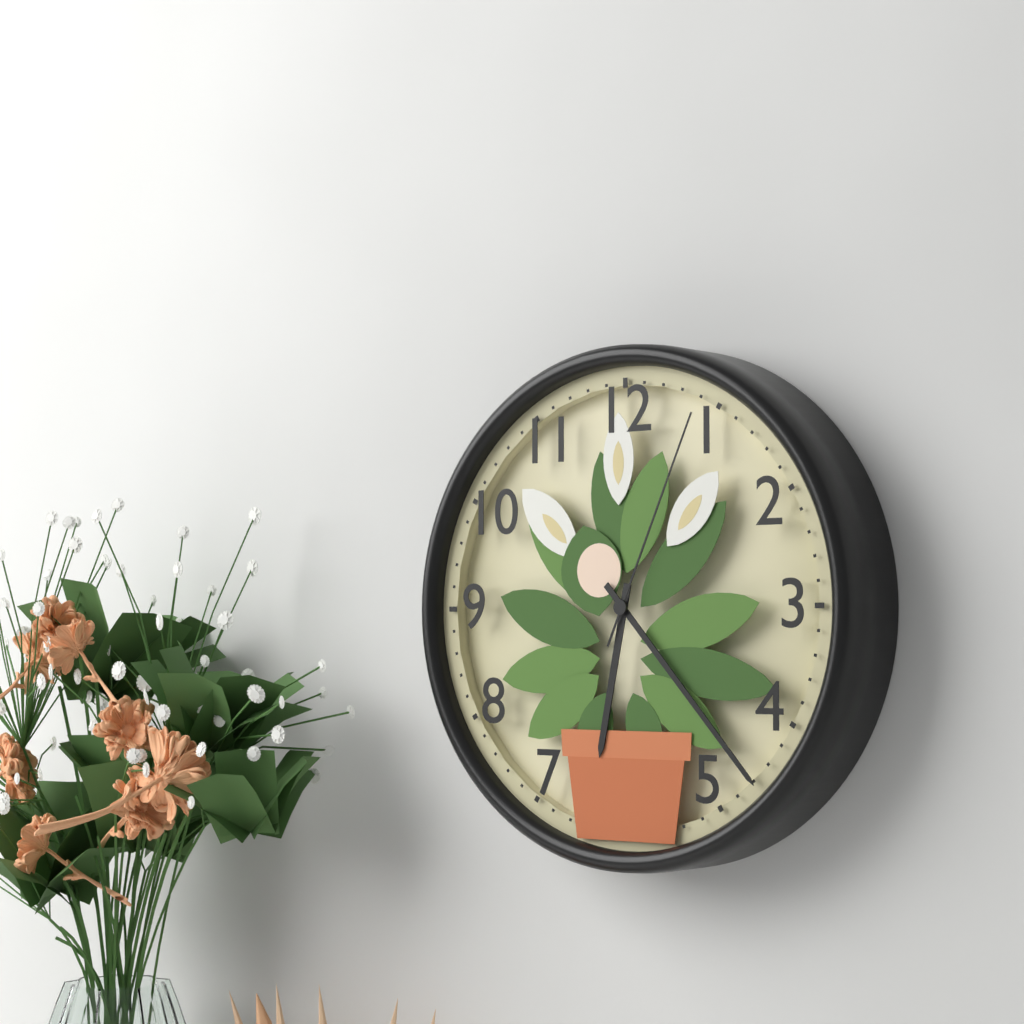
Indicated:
6 h 23 min 04 s
